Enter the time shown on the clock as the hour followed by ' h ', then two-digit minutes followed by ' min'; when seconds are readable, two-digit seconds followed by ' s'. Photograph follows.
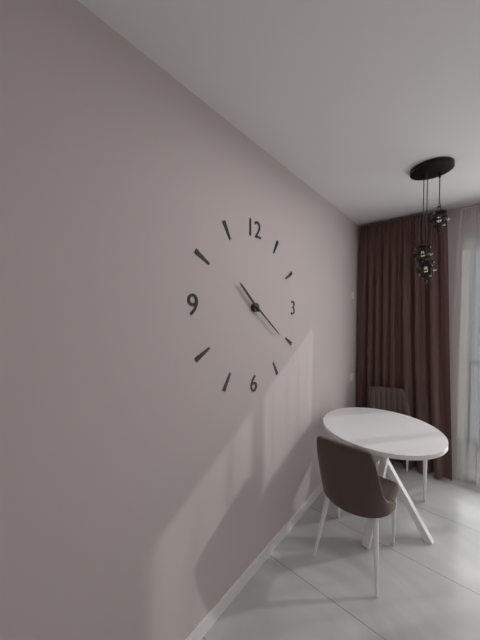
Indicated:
10 h 21 min
